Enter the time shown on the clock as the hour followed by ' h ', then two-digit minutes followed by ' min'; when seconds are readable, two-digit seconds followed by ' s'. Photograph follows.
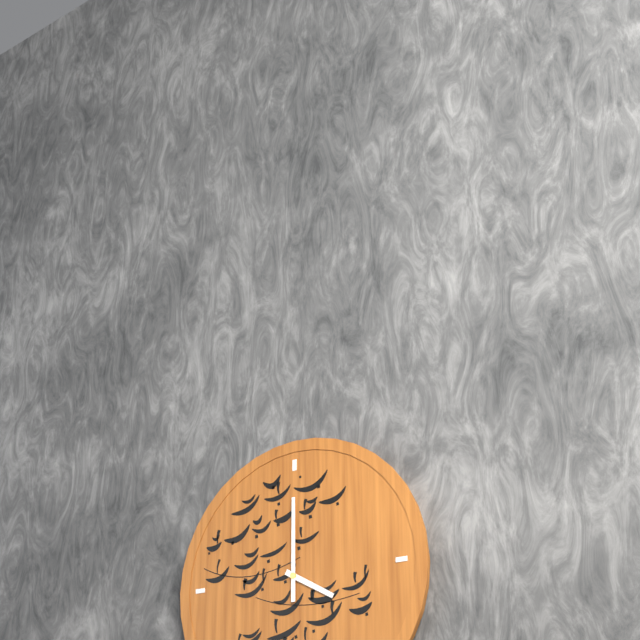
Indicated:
4 h 00 min
